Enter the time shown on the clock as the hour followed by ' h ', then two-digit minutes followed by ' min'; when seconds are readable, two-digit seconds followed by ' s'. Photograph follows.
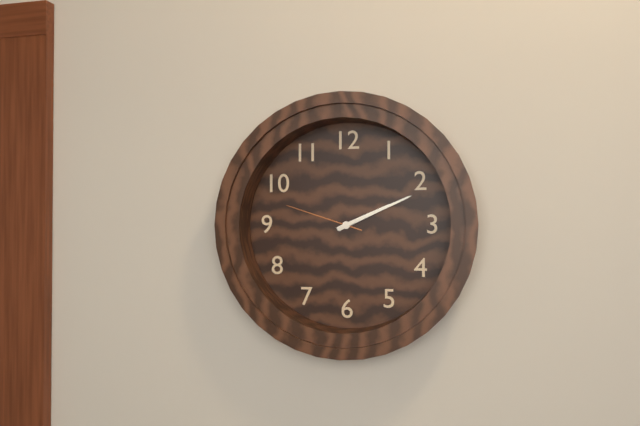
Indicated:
2 h 11 min 48 s
